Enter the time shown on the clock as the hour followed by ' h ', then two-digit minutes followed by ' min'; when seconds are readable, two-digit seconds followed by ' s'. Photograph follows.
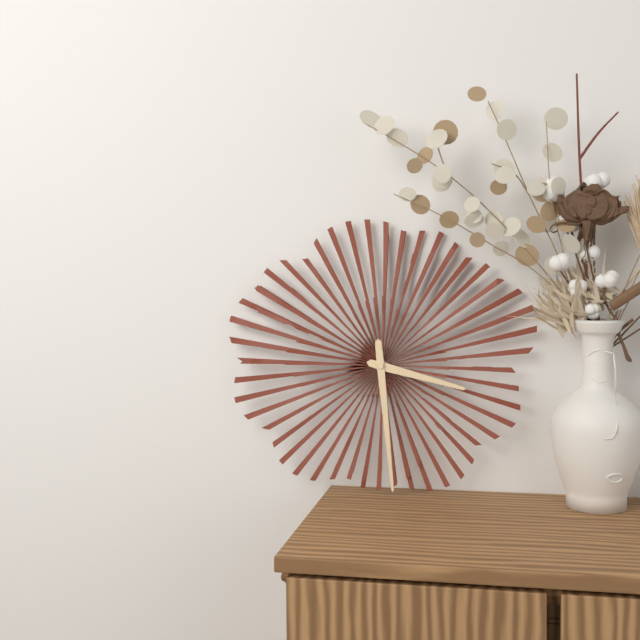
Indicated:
3 h 29 min
